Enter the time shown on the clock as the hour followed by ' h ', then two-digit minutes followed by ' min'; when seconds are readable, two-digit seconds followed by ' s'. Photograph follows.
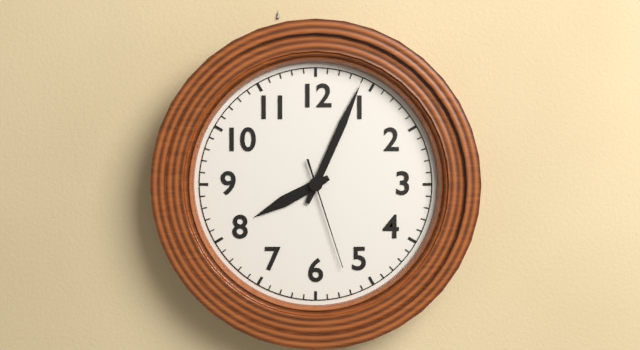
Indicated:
8 h 04 min 27 s
